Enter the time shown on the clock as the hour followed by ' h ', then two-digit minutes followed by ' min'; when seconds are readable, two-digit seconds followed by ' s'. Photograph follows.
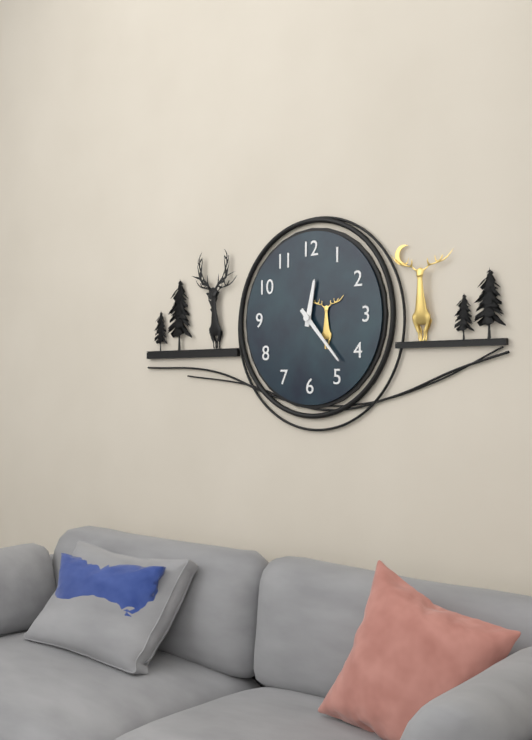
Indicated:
12 h 23 min
